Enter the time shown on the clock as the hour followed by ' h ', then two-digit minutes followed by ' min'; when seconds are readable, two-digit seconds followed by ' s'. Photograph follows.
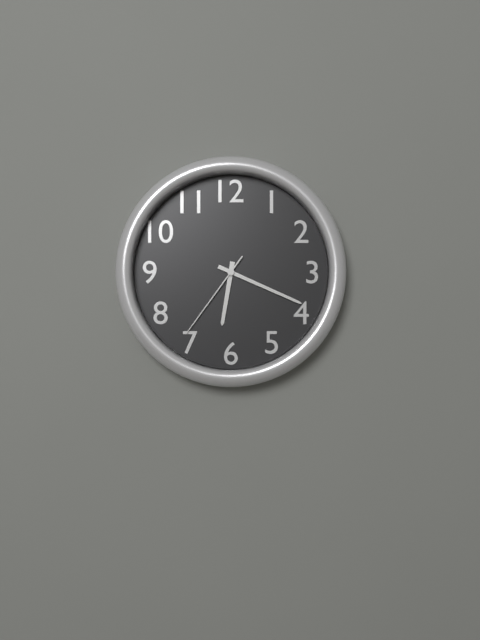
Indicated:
6 h 19 min 36 s
